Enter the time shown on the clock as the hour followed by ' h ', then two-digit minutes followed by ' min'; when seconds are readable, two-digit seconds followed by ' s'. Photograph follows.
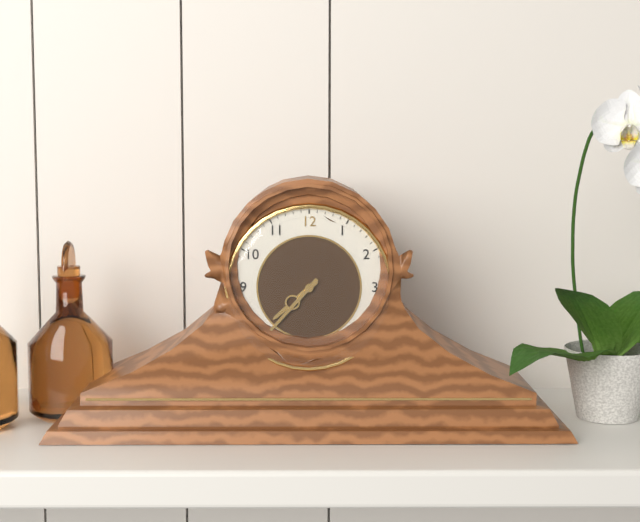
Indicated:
7 h 37 min
